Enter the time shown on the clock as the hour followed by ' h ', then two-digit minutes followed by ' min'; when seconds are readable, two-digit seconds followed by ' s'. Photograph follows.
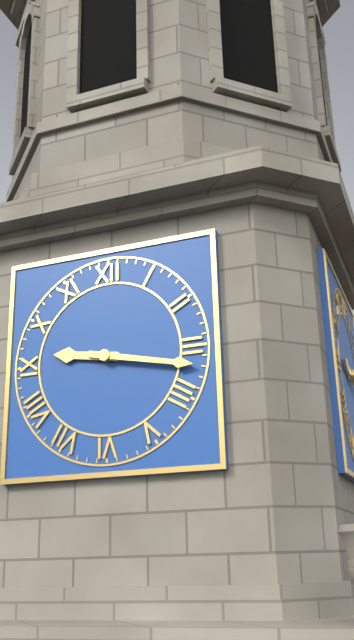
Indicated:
9 h 17 min
